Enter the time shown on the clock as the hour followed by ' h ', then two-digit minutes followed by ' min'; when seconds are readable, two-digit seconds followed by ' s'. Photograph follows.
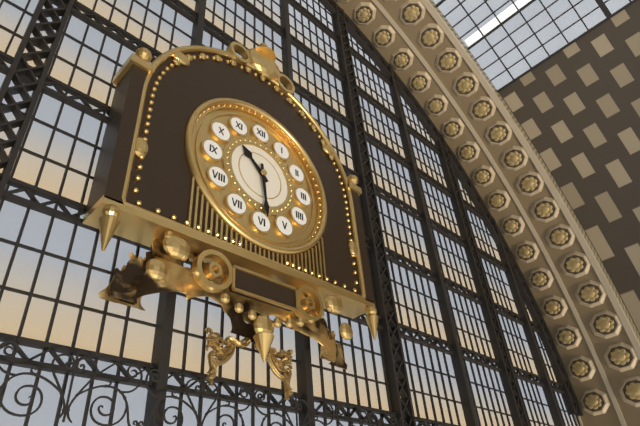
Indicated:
10 h 29 min
